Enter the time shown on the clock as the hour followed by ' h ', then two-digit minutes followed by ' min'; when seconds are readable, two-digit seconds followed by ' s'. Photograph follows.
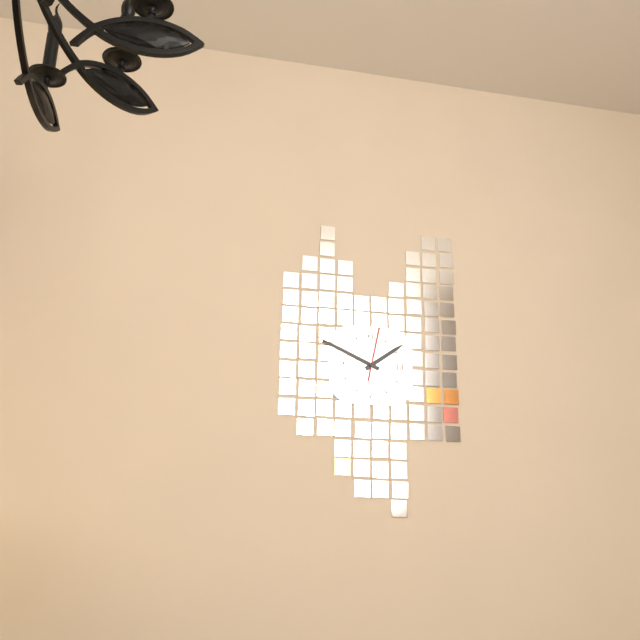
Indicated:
1 h 49 min 02 s
